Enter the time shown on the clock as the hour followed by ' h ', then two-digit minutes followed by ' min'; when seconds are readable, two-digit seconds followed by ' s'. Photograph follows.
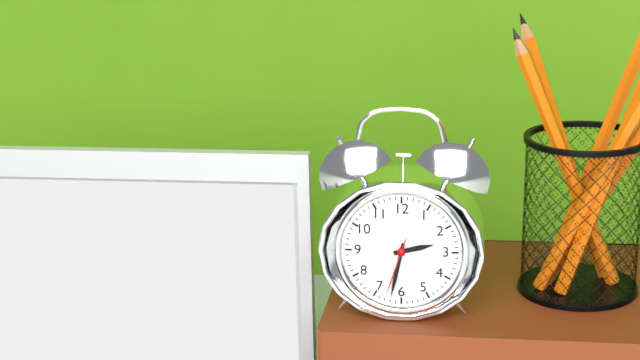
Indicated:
2 h 32 min 33 s
